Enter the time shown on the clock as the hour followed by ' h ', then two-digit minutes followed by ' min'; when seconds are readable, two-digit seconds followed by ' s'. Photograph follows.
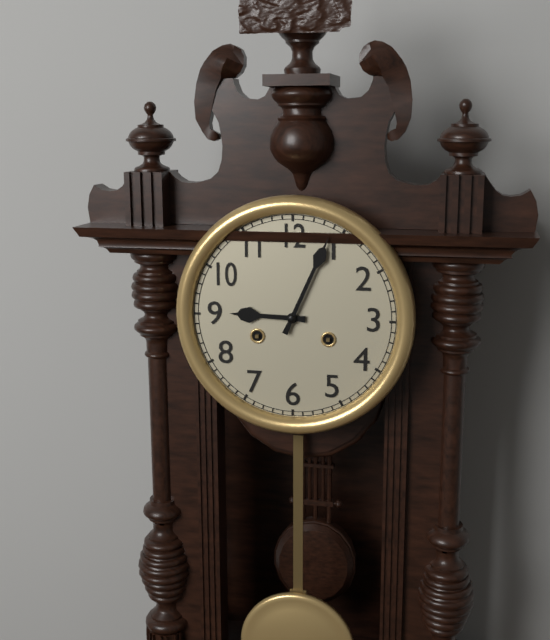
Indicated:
9 h 04 min
